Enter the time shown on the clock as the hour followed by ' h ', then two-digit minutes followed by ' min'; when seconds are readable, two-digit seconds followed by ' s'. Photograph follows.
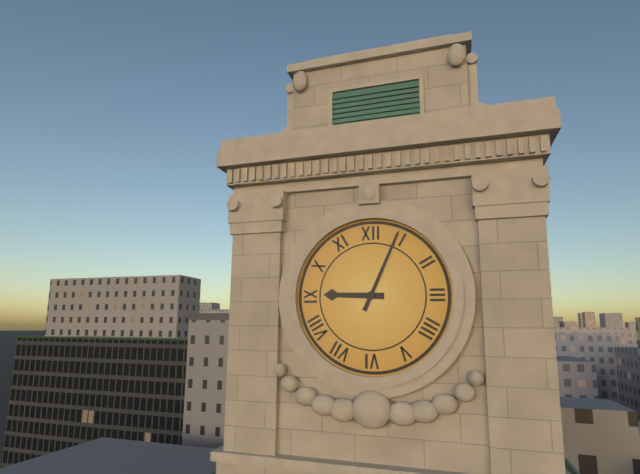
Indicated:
9 h 04 min
